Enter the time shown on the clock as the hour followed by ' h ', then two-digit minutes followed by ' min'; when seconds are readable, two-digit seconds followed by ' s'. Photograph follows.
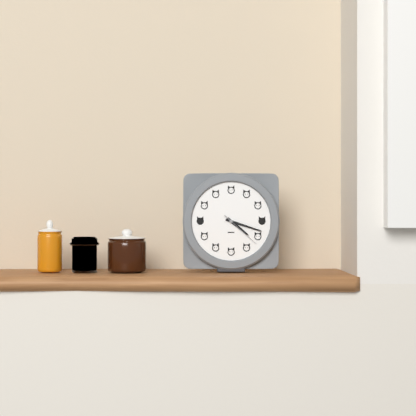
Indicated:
4 h 18 min
